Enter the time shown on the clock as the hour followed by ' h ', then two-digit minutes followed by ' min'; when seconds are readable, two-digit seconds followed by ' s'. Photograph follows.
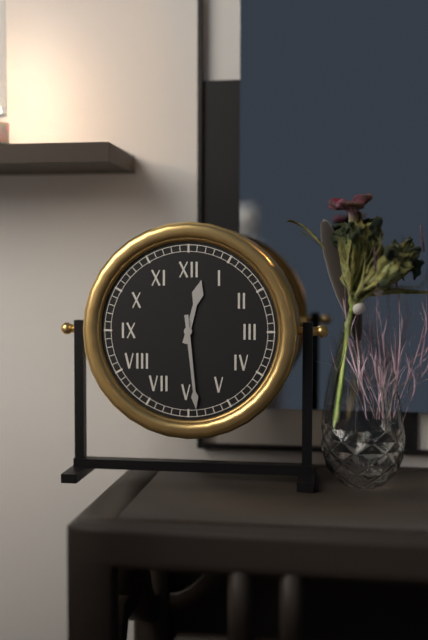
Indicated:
12 h 29 min
